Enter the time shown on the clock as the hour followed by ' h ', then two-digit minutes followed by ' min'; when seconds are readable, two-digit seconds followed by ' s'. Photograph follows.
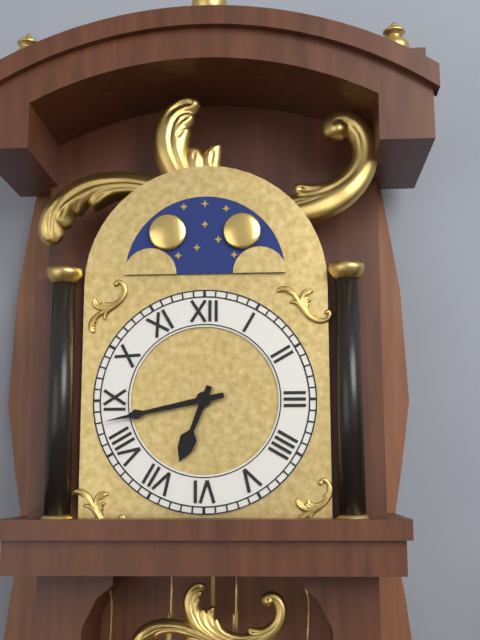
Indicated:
6 h 43 min
